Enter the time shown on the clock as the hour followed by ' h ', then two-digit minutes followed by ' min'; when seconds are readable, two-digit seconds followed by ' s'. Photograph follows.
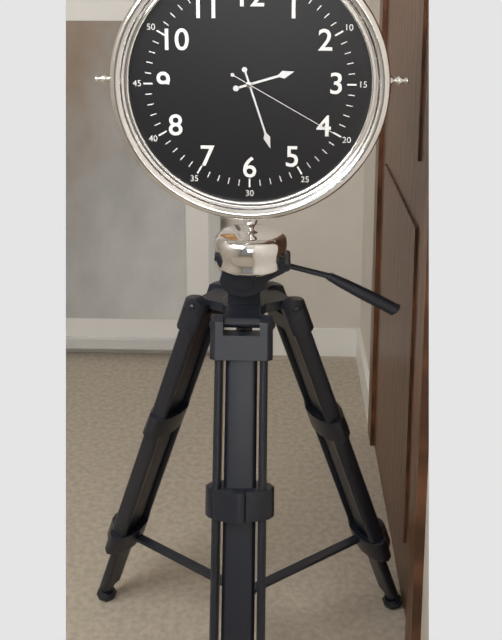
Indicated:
2 h 27 min 20 s
